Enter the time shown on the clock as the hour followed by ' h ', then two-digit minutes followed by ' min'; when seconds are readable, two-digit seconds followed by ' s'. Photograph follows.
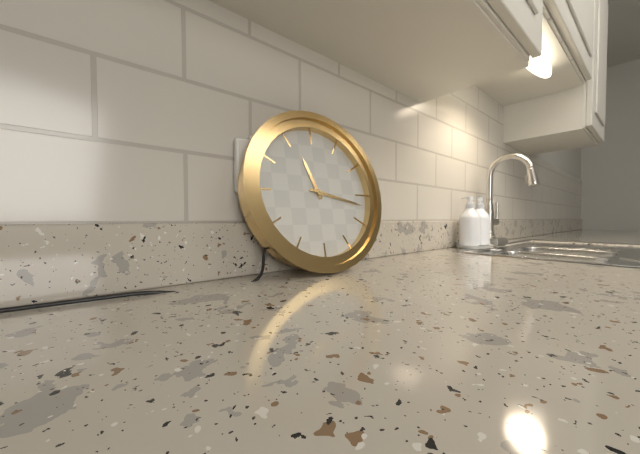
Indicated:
11 h 17 min
